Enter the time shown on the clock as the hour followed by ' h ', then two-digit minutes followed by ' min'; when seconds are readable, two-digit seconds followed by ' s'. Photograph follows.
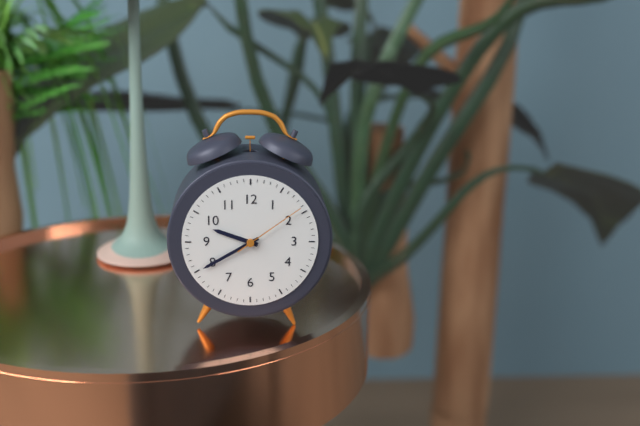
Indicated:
9 h 40 min 09 s
